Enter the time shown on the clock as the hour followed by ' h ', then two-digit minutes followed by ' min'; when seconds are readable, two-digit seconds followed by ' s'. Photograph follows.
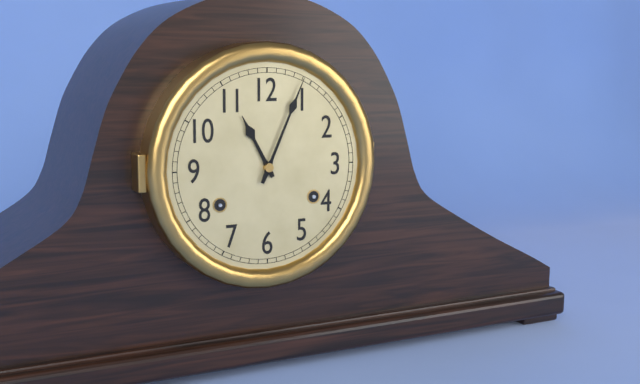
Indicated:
11 h 04 min
